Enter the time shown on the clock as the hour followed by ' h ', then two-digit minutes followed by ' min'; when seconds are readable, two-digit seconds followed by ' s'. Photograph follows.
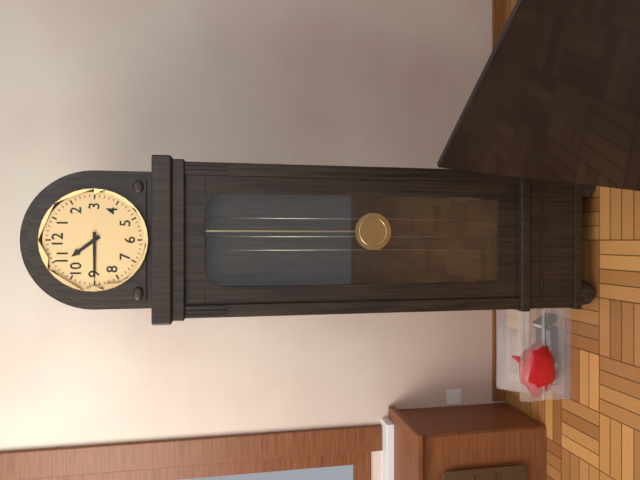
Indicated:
10 h 45 min
